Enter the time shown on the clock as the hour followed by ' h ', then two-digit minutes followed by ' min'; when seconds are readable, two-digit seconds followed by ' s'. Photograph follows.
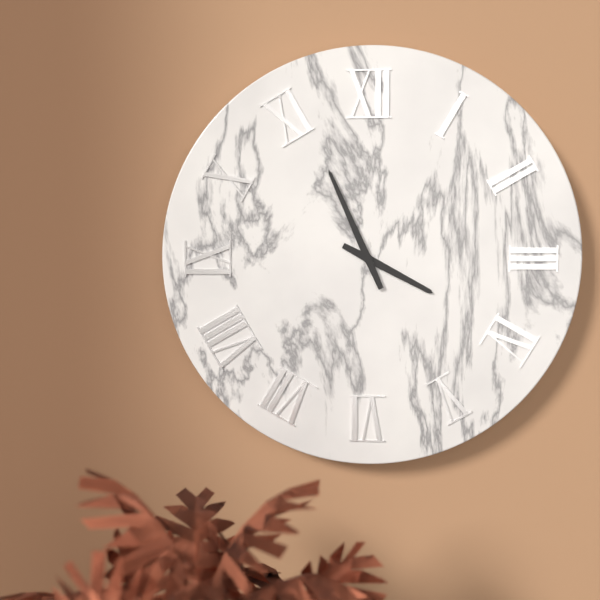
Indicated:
3 h 56 min
